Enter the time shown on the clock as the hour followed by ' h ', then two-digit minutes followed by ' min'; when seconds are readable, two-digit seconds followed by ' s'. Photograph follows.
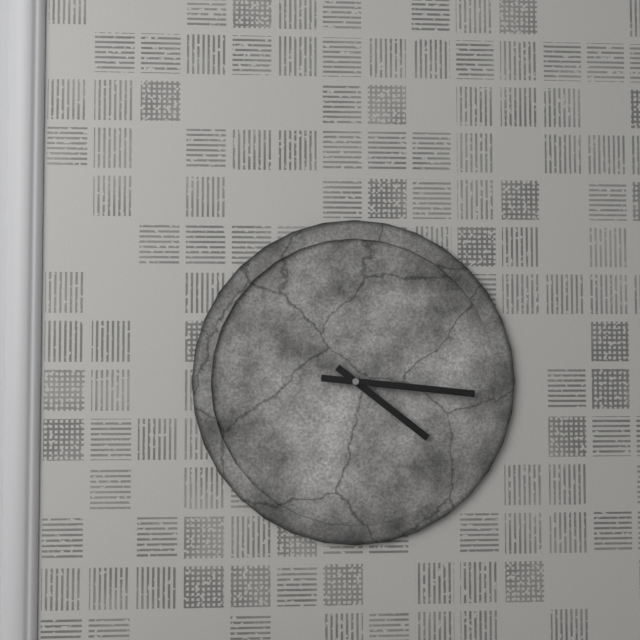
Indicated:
4 h 16 min
